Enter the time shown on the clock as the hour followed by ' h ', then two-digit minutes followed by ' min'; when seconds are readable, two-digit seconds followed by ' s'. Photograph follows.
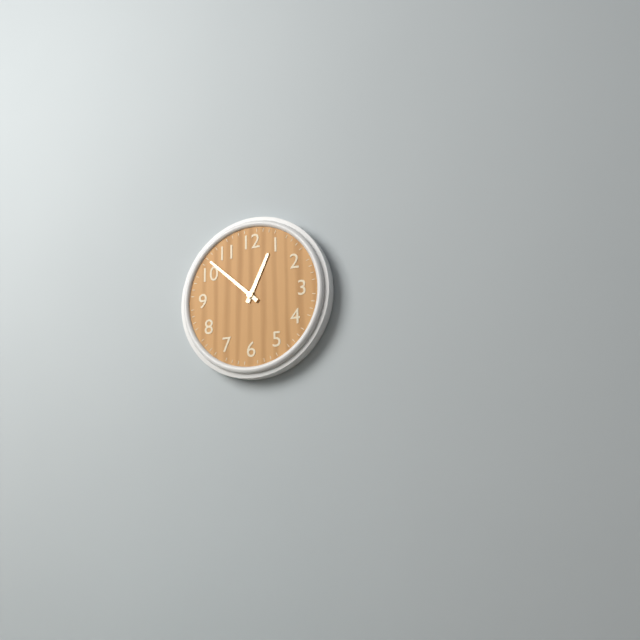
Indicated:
12 h 52 min
